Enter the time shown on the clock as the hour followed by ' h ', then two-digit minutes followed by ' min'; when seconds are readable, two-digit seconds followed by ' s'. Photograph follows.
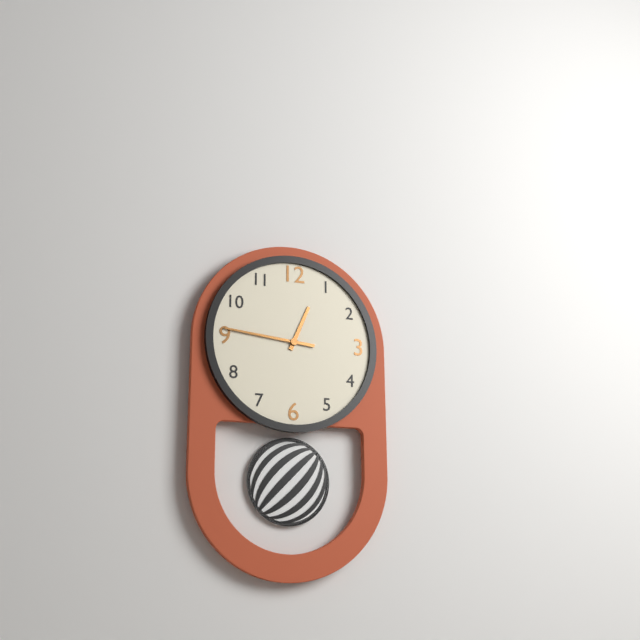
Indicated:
12 h 46 min
